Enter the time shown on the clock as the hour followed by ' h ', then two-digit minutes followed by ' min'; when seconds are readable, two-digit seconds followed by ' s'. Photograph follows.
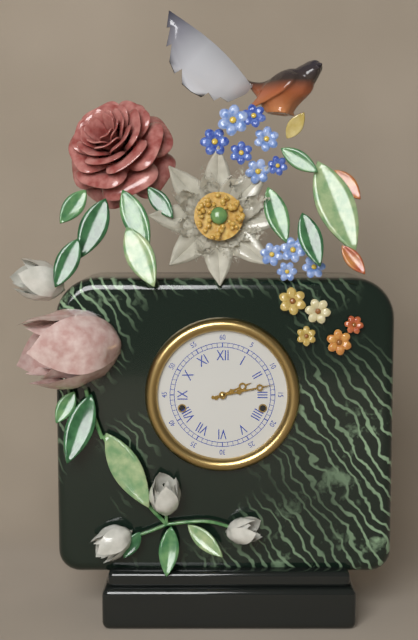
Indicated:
2 h 13 min
